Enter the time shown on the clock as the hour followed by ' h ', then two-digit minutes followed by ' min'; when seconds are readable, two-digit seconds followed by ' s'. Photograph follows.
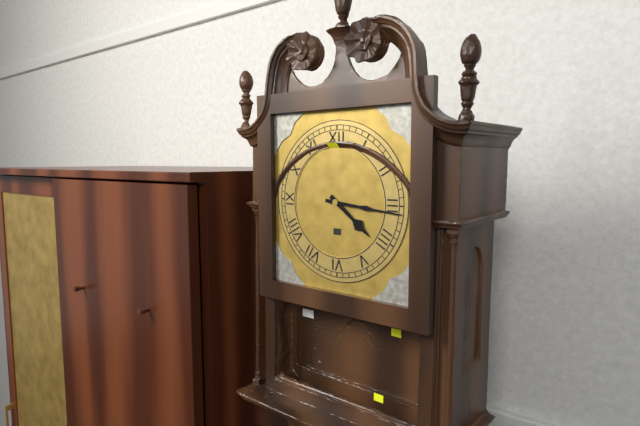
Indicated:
4 h 16 min
